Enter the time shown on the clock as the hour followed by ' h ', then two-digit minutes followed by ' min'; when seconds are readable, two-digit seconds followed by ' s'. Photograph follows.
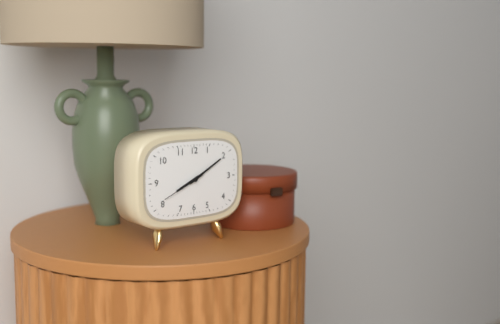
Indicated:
8 h 10 min
